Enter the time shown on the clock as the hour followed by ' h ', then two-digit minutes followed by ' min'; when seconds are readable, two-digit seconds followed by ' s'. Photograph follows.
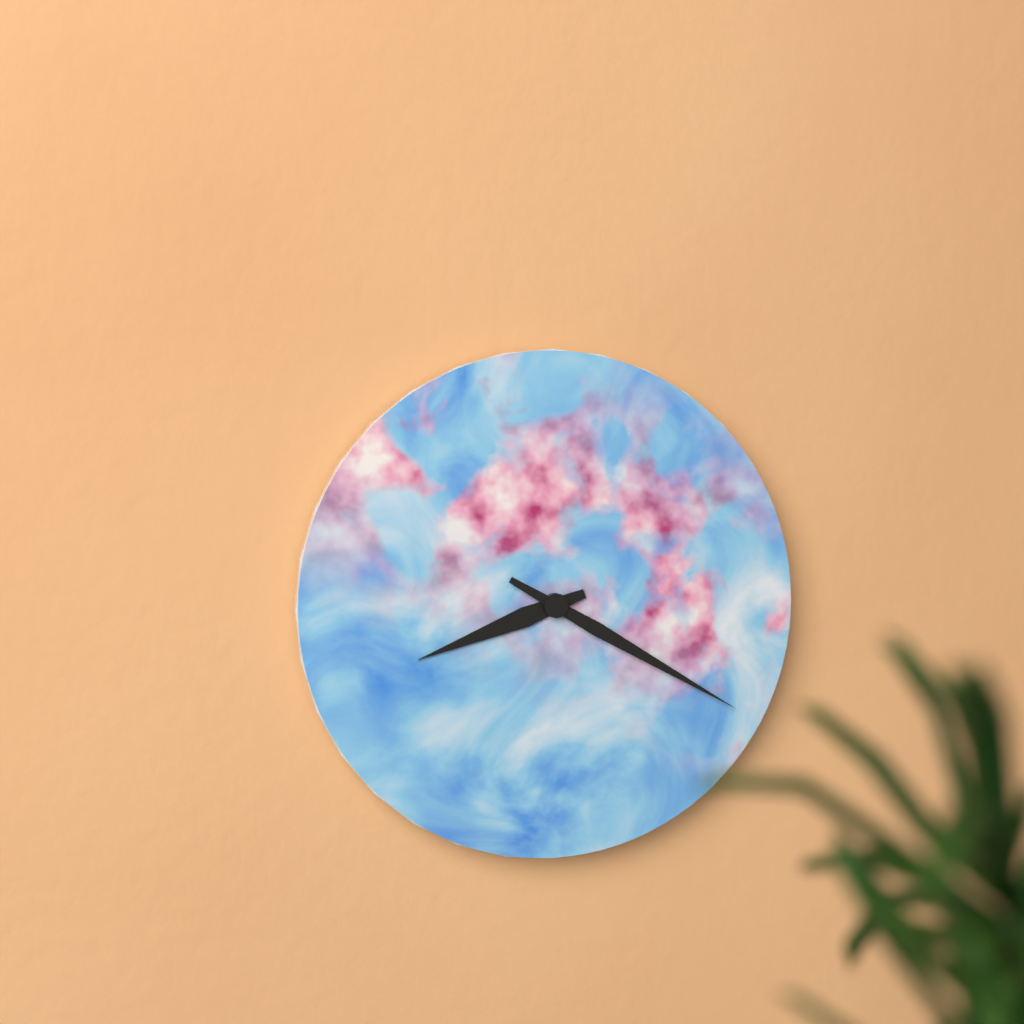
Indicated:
8 h 20 min
